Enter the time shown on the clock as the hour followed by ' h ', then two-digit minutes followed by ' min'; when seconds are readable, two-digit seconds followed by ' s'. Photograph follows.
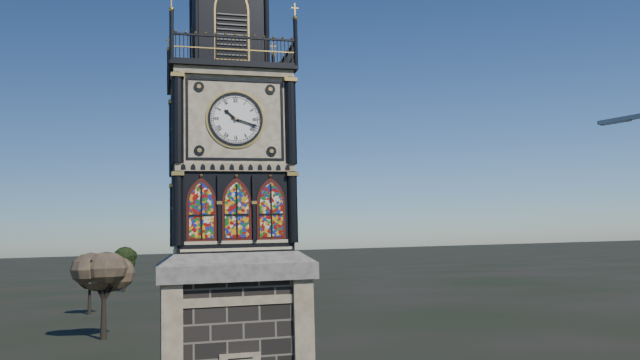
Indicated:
10 h 18 min
